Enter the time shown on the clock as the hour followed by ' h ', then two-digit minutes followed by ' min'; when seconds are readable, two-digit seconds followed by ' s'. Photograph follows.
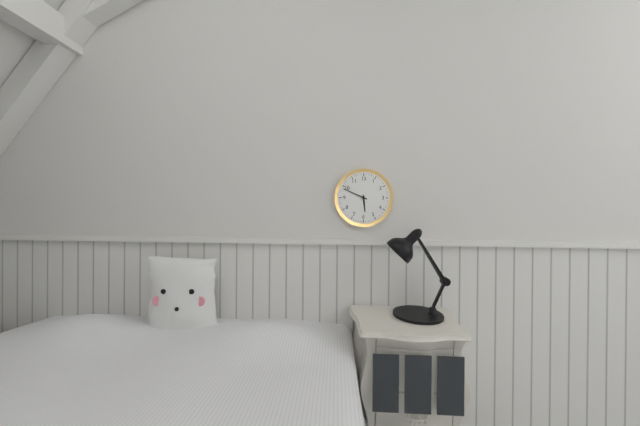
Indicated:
5 h 49 min
